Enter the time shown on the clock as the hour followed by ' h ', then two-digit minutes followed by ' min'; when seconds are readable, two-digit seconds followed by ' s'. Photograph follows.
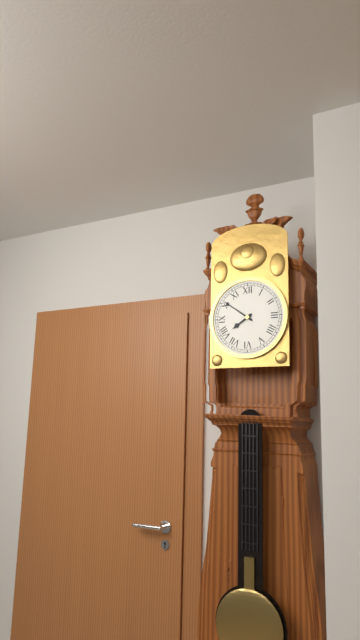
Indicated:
7 h 51 min
